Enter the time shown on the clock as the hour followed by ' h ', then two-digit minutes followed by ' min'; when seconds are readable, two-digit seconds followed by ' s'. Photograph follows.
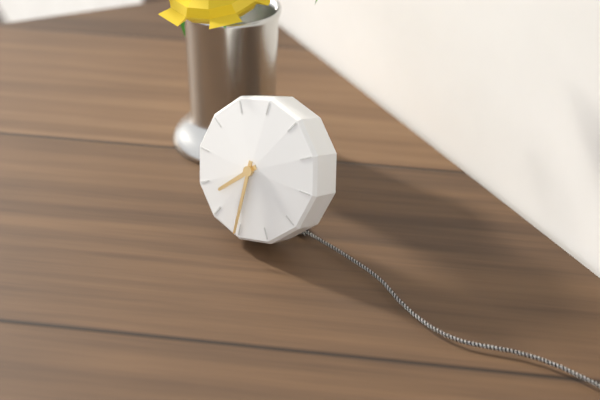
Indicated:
7 h 30 min
